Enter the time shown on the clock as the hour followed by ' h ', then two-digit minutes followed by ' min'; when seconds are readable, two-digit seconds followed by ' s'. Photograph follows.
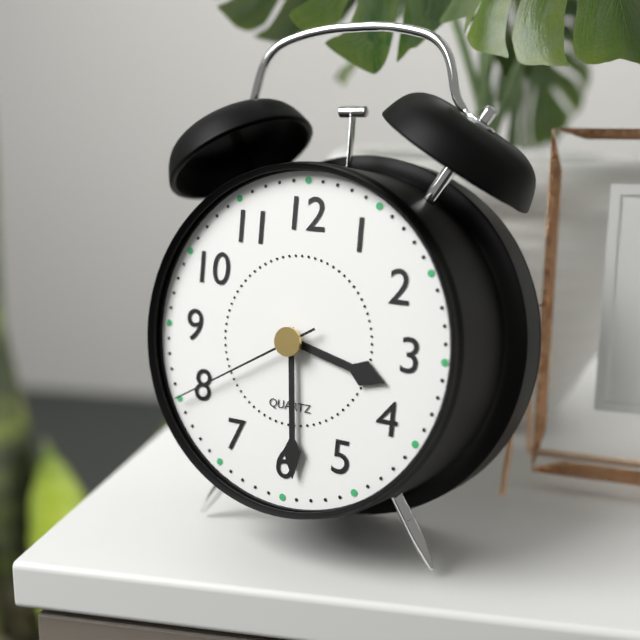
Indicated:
3 h 29 min 40 s
